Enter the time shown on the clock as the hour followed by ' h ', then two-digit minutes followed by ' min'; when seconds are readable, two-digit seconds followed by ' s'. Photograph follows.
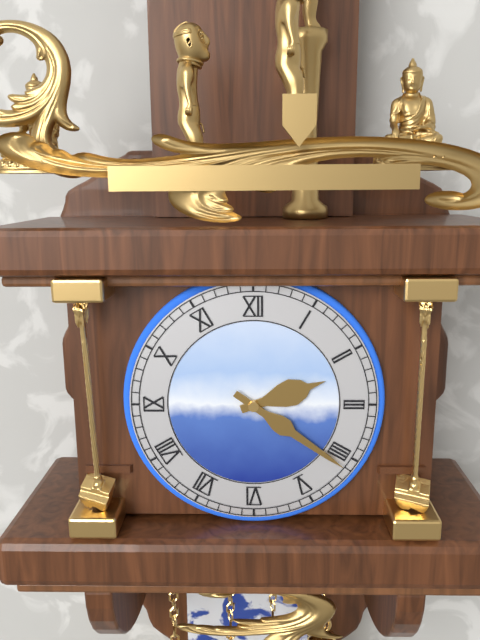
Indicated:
2 h 21 min
